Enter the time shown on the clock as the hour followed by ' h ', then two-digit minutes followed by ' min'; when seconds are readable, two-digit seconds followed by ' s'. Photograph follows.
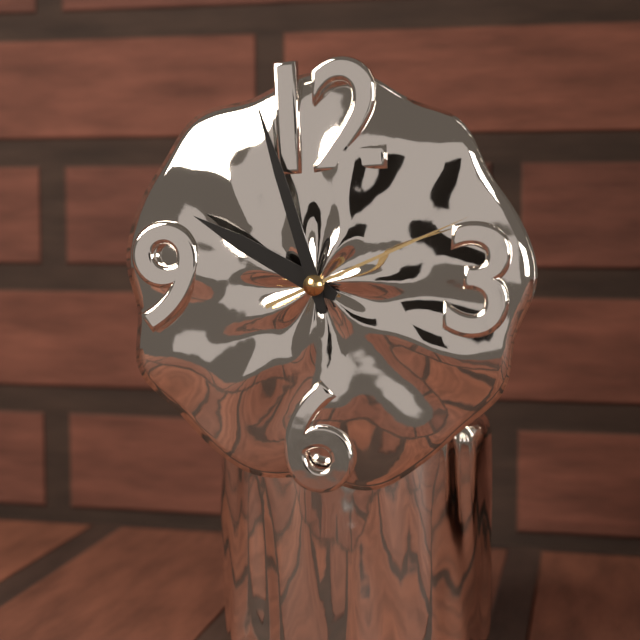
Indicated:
9 h 57 min 11 s
